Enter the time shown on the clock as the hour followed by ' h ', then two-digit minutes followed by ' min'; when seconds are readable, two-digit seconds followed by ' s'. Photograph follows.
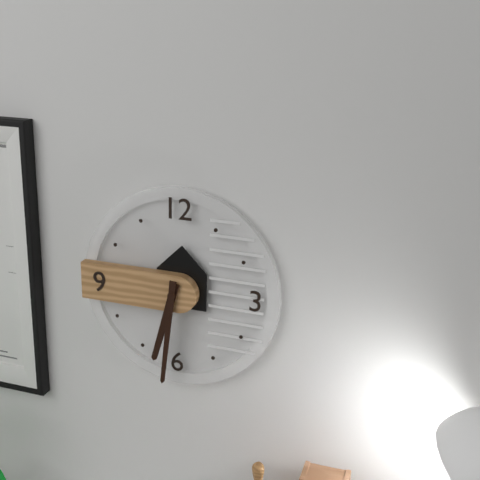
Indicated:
6 h 31 min
